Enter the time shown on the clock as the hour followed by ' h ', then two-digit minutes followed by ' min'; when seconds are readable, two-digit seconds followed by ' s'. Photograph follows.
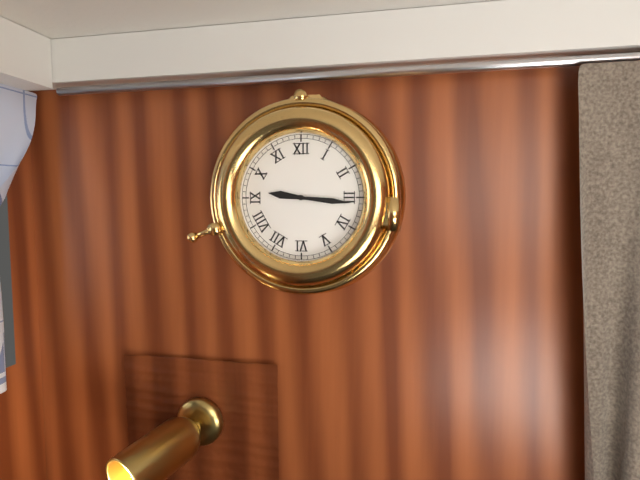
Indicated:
9 h 16 min
